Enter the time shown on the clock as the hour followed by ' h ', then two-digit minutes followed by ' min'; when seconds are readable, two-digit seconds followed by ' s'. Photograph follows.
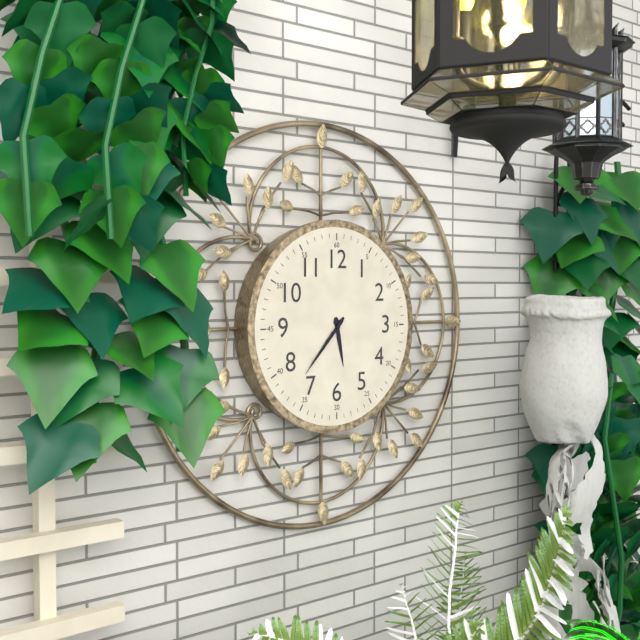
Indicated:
5 h 37 min
